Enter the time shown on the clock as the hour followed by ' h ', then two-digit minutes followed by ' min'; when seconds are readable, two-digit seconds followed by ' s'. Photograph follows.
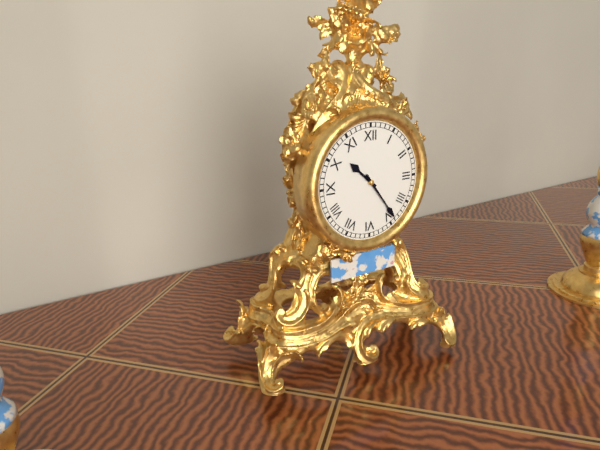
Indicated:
10 h 24 min
